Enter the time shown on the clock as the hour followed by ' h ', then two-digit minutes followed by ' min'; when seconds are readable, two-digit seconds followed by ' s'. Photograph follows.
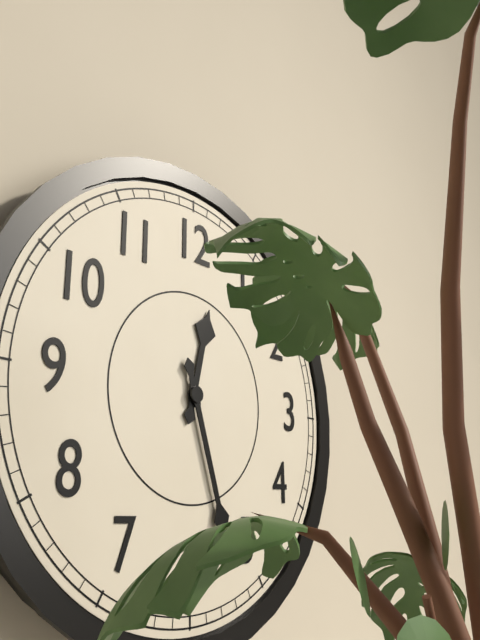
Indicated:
12 h 27 min
